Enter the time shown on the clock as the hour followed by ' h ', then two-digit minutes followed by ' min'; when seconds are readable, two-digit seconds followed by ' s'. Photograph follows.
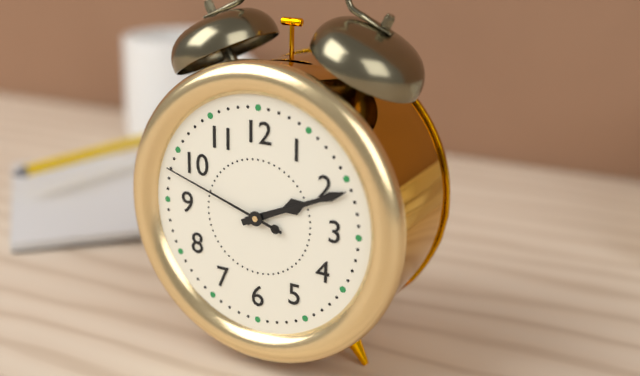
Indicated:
2 h 11 min 48 s
